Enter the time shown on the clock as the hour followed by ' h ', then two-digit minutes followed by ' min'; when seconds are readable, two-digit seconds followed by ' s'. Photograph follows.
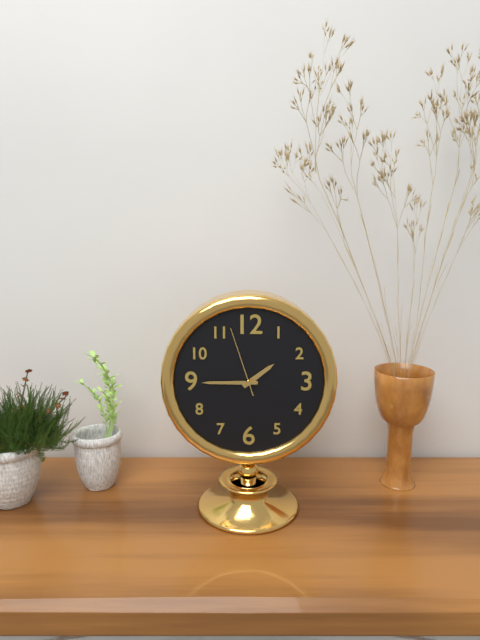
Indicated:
1 h 45 min 57 s
